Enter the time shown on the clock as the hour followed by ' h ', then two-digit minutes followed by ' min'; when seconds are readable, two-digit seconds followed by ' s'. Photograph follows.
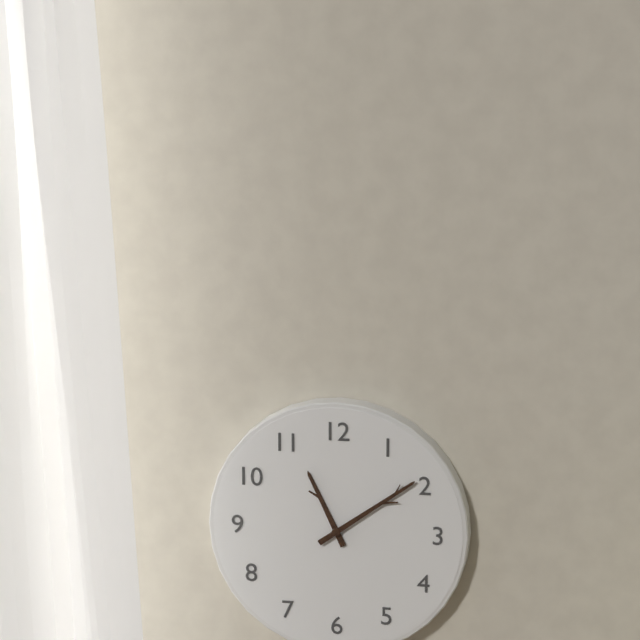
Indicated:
11 h 09 min
